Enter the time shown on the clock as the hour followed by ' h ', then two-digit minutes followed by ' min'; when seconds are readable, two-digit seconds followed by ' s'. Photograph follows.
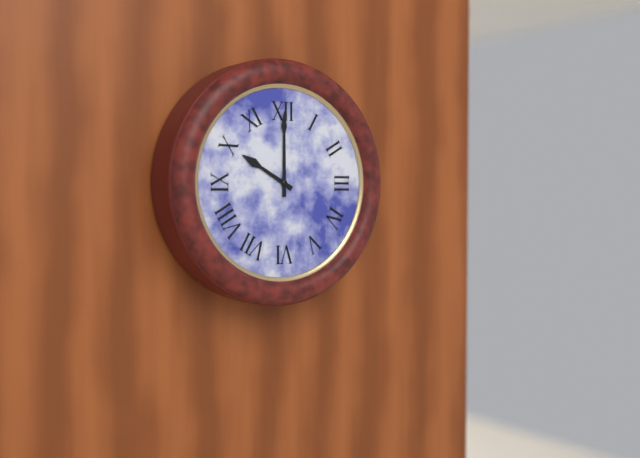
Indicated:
10 h 00 min
